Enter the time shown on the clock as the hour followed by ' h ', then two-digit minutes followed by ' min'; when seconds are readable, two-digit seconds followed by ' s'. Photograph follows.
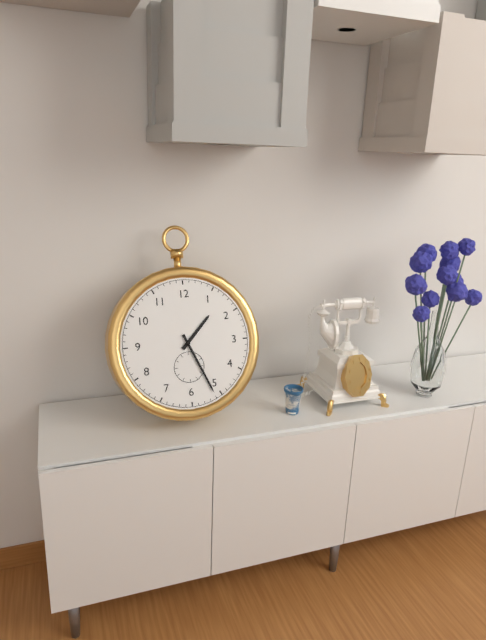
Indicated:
1 h 26 min
